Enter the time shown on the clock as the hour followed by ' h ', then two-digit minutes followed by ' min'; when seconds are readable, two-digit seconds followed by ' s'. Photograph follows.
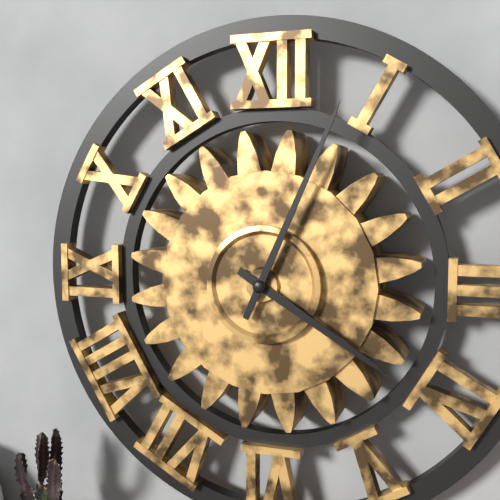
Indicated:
4 h 04 min
